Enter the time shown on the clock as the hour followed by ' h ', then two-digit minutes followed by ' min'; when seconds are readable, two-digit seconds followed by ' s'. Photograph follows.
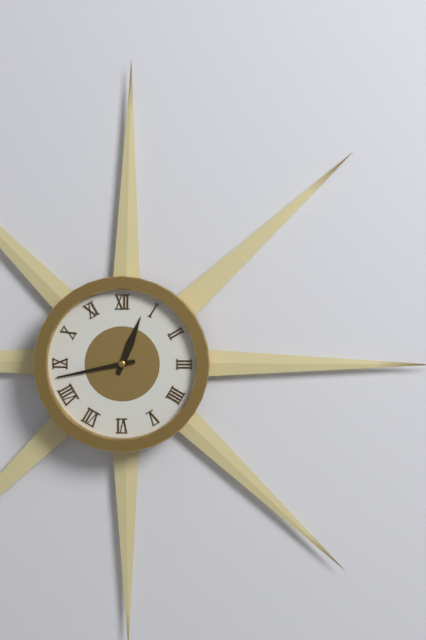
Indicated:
12 h 43 min
